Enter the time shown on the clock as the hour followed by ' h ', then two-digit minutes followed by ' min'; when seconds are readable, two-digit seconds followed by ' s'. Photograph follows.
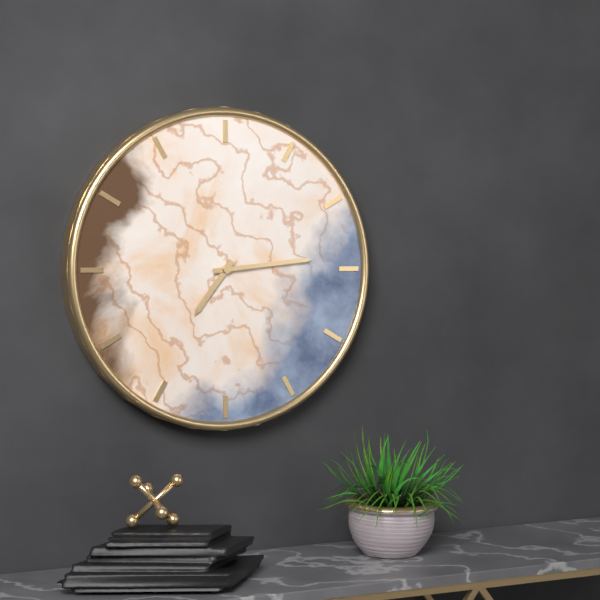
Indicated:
7 h 14 min
